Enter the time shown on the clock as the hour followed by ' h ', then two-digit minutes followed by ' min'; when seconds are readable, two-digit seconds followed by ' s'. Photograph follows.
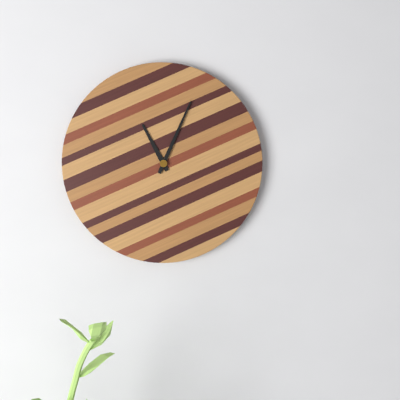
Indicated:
11 h 04 min
